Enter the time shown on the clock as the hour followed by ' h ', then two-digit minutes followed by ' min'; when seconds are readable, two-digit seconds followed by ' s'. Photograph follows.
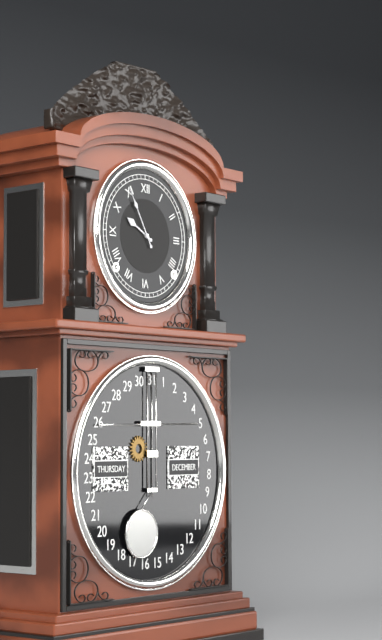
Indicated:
9 h 55 min
